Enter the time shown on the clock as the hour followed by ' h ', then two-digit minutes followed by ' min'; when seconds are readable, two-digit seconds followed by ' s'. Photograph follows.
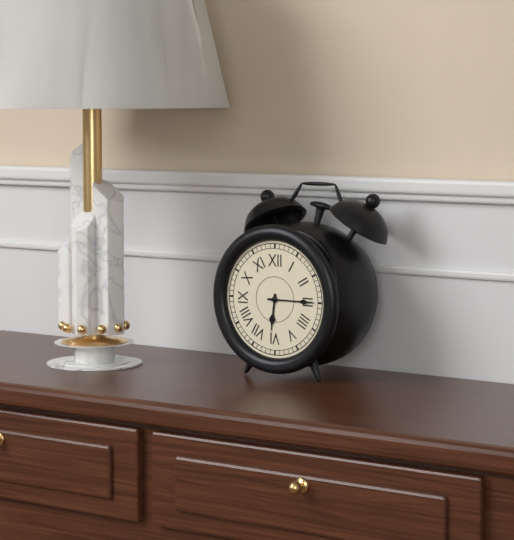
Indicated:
6 h 15 min
